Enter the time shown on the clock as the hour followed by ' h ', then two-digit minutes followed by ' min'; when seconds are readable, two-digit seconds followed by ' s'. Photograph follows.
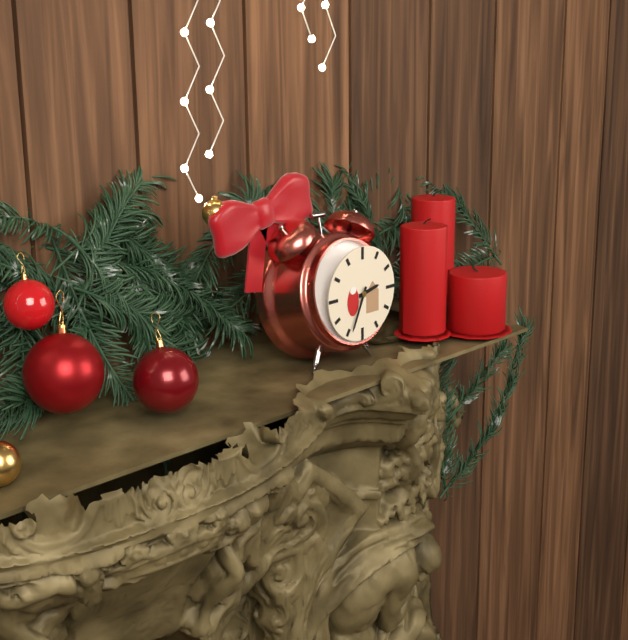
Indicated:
2 h 34 min
